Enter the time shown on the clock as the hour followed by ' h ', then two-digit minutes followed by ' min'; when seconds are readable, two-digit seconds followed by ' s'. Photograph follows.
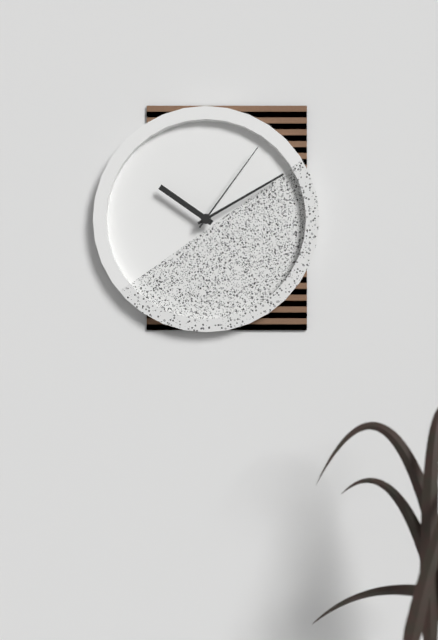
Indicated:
10 h 10 min 06 s
